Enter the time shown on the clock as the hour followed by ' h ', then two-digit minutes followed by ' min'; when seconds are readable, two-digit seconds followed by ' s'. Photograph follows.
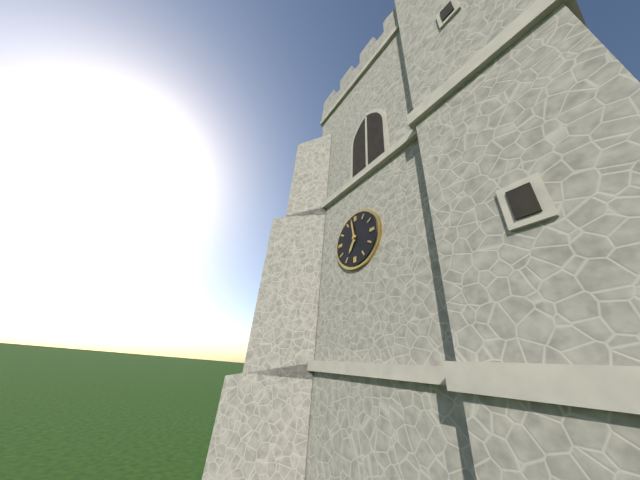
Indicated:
6 h 58 min
